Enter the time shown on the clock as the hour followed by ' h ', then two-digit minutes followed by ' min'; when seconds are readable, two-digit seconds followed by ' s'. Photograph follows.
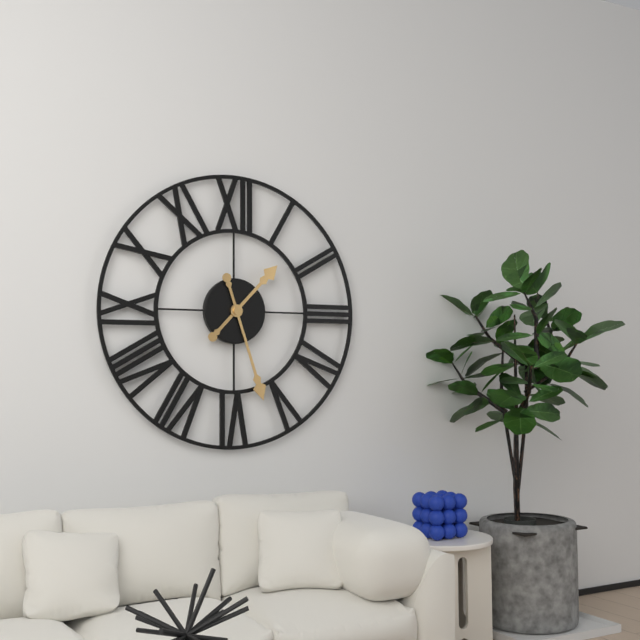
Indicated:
1 h 27 min
